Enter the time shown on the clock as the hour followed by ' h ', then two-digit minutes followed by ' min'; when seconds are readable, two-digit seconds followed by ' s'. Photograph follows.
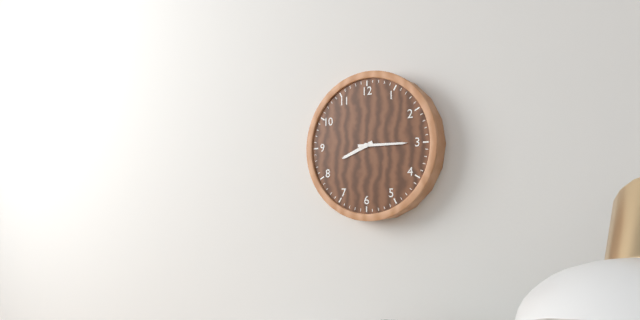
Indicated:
8 h 15 min
